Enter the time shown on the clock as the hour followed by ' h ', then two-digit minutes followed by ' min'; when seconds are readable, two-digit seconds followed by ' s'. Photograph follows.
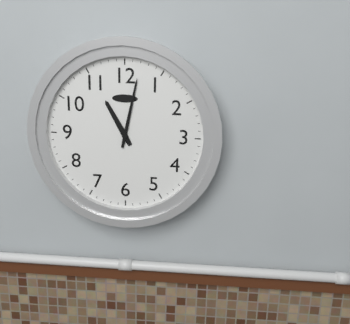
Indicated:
11 h 02 min
